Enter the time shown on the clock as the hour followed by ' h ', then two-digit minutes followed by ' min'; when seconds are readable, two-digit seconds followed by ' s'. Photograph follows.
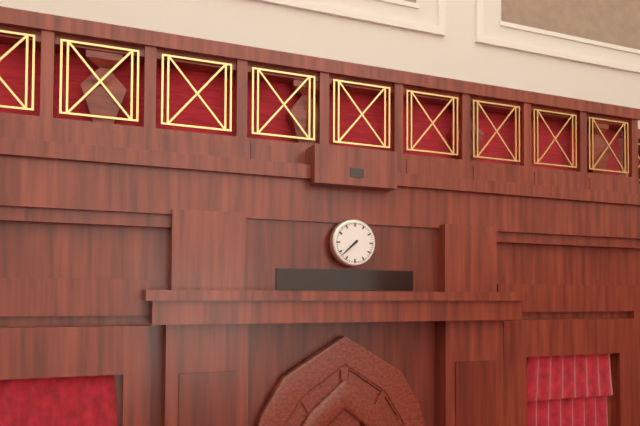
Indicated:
7 h 38 min
